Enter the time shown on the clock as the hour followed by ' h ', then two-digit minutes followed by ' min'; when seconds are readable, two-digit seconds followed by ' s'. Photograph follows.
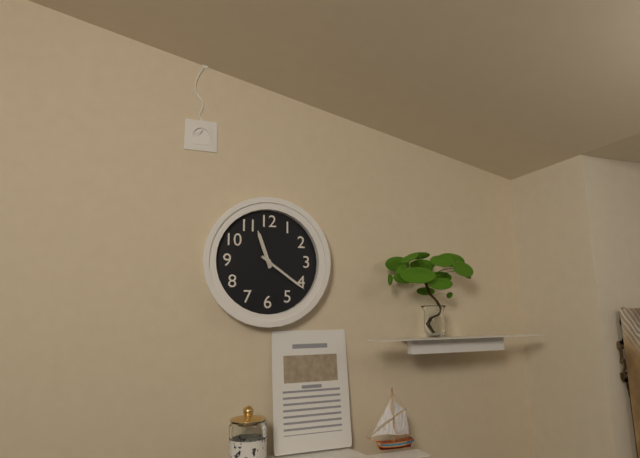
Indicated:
11 h 21 min
